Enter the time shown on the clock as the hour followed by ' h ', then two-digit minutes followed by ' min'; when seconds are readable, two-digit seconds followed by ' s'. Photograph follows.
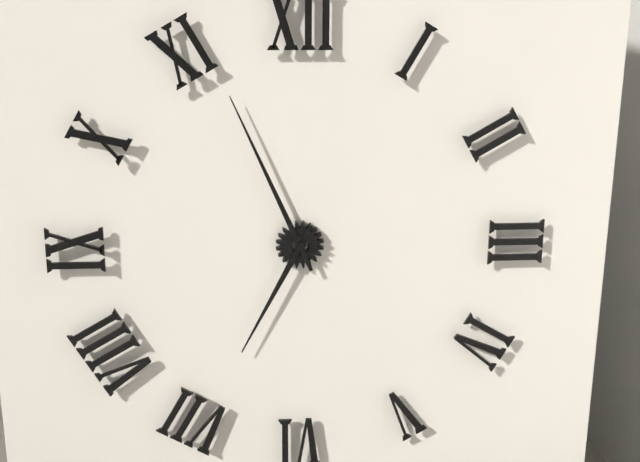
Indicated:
6 h 56 min
